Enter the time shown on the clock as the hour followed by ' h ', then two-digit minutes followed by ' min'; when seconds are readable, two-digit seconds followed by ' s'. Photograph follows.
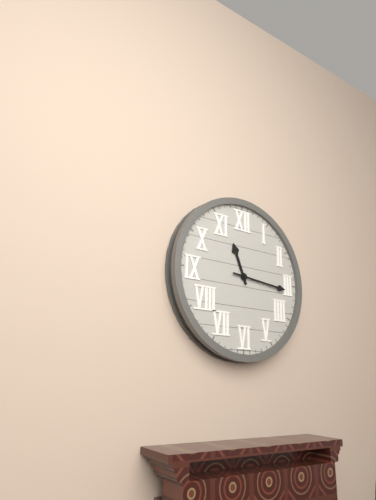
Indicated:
11 h 16 min
